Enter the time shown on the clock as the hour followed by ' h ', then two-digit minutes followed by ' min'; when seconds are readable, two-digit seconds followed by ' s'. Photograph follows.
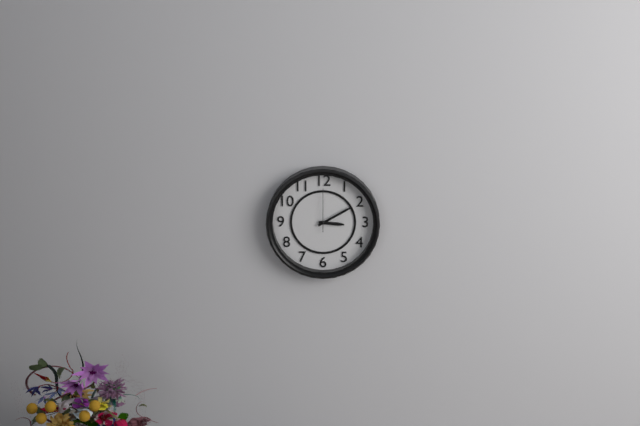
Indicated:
3 h 10 min
